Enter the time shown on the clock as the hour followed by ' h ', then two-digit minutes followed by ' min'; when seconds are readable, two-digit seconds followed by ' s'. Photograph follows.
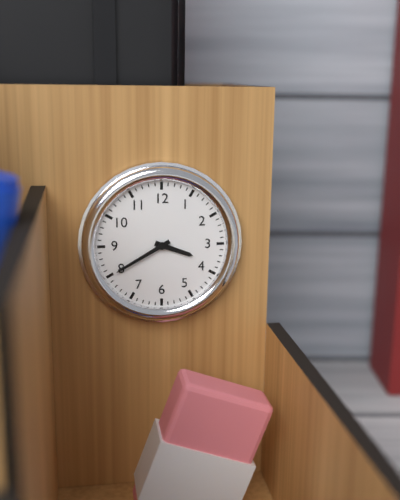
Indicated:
3 h 40 min
